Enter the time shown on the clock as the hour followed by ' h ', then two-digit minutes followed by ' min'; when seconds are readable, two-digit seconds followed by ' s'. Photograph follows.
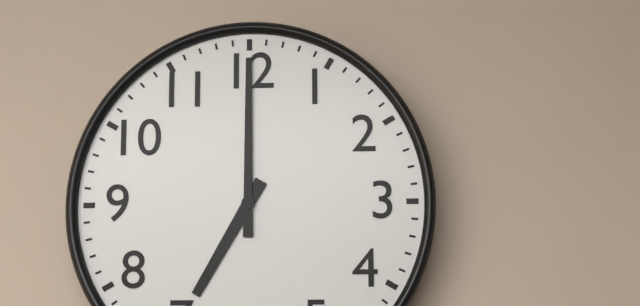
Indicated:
7 h 00 min
